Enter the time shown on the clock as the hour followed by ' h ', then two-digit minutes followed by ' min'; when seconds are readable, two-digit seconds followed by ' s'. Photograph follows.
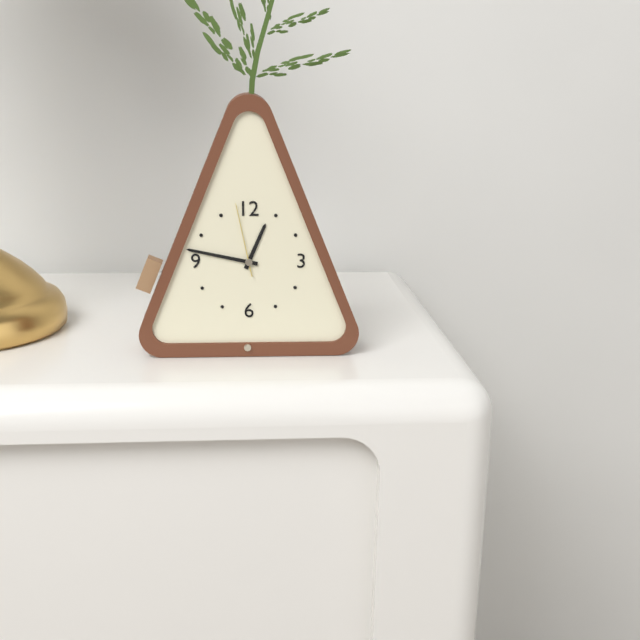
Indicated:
12 h 47 min 58 s
